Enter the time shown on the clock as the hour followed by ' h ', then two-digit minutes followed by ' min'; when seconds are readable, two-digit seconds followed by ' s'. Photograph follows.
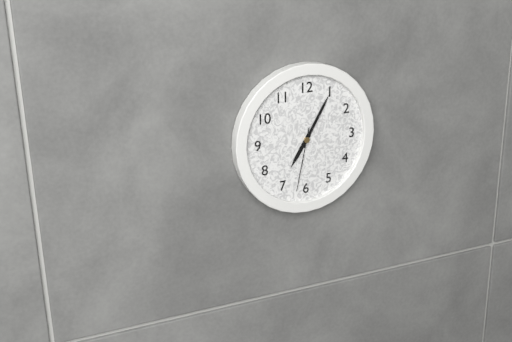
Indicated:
7 h 05 min 32 s
